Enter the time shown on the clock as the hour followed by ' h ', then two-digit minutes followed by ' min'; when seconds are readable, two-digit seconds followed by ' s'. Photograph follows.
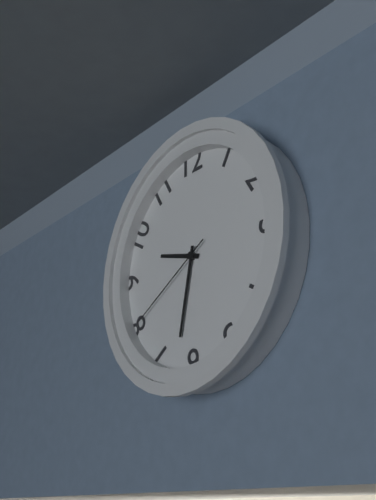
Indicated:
9 h 32 min 40 s
